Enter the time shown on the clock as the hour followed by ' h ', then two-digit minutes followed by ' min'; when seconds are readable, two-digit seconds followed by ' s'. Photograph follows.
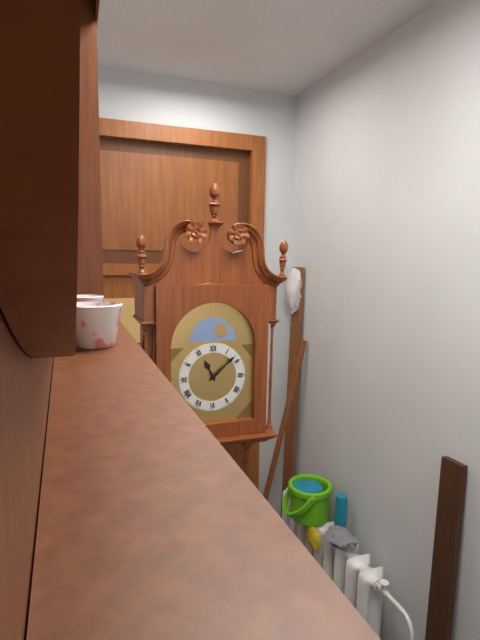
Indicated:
11 h 08 min
